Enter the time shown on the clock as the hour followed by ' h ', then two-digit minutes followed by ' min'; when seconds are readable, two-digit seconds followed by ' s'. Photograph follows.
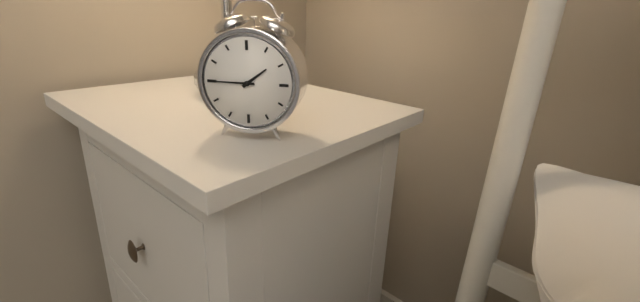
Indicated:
1 h 45 min
